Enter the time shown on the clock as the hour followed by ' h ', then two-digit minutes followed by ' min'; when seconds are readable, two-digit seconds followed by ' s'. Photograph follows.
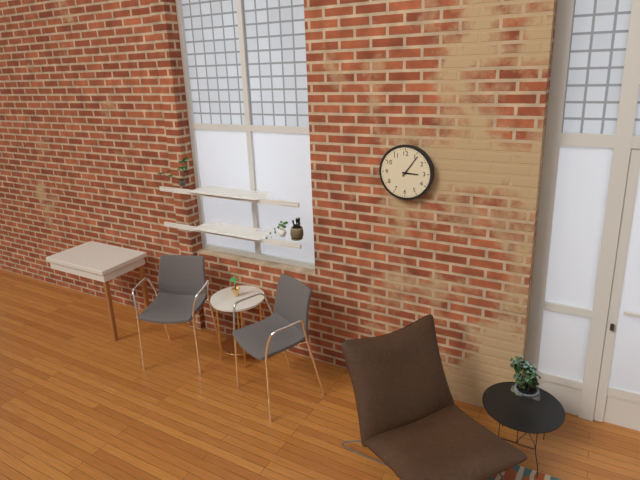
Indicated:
3 h 06 min
